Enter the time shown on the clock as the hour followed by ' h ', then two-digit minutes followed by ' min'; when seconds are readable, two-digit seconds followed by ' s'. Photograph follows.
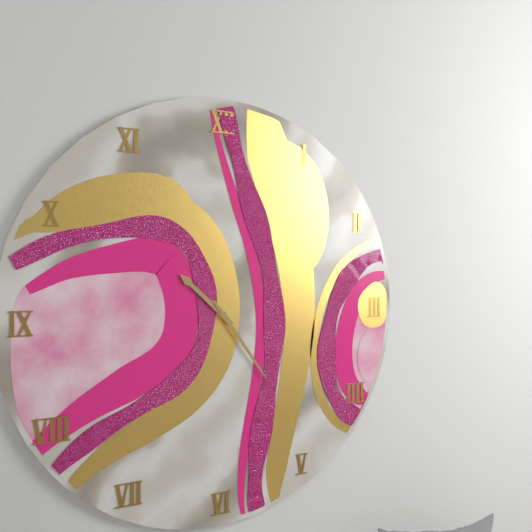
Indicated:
10 h 24 min
